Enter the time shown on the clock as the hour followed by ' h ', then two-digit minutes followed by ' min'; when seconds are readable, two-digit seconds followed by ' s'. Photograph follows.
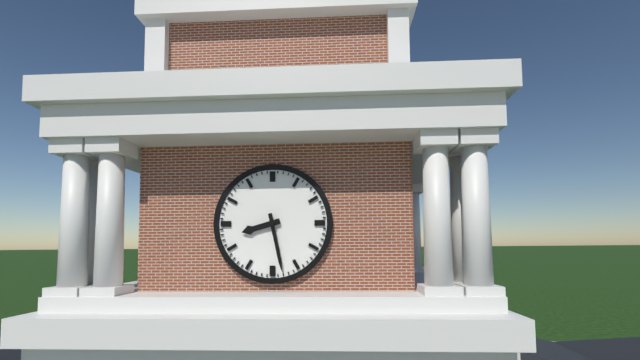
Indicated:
8 h 28 min
